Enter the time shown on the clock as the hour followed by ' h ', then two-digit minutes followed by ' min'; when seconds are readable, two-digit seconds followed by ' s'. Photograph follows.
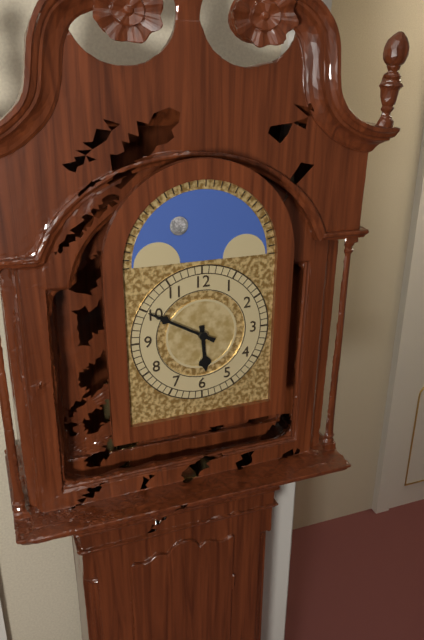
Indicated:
5 h 50 min
